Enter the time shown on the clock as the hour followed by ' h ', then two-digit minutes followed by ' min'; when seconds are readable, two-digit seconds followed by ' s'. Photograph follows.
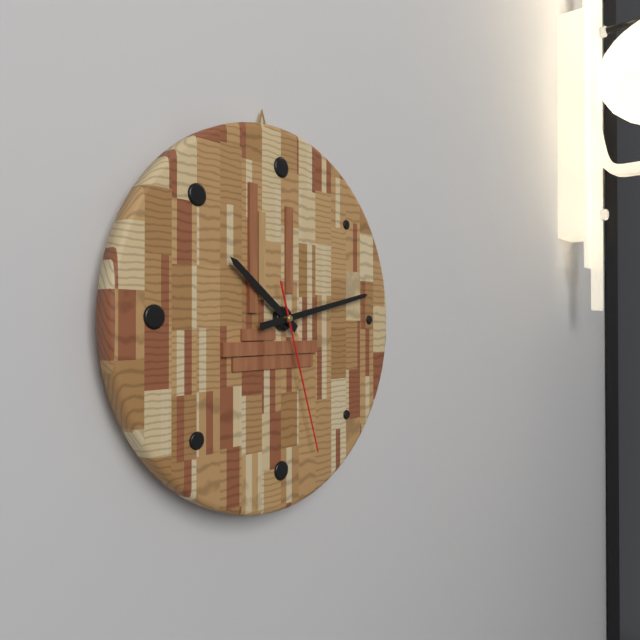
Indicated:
10 h 13 min 27 s
